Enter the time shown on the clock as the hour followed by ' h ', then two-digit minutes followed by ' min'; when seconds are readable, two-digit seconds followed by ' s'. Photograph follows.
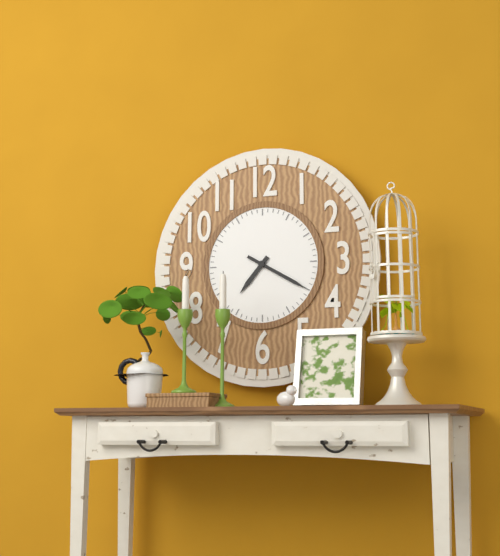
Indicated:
7 h 20 min
